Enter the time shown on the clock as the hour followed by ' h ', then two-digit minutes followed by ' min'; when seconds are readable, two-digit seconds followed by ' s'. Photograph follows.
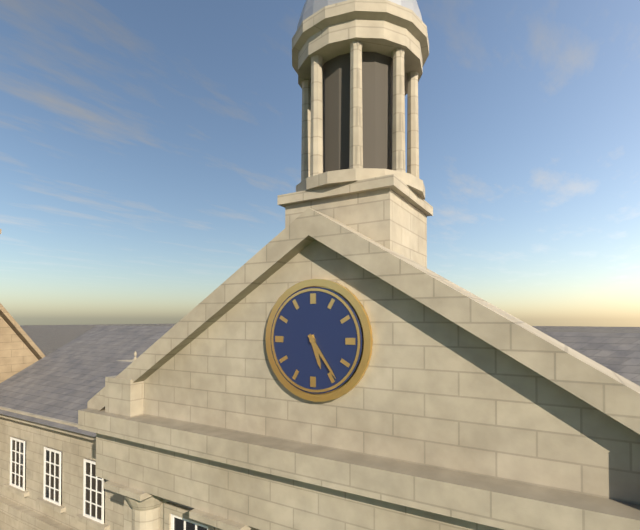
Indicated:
5 h 24 min
